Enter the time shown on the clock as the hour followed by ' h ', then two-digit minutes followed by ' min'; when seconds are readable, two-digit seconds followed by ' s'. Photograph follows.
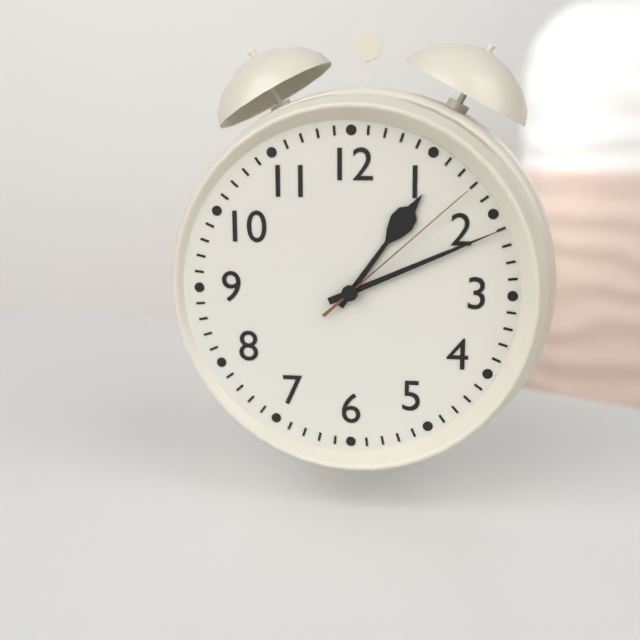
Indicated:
1 h 11 min 08 s
